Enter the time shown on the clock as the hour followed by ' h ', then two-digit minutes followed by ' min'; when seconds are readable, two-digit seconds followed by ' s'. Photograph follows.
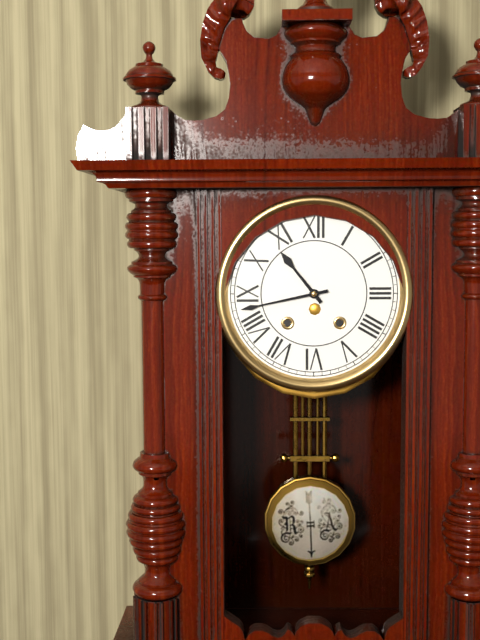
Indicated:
10 h 43 min
